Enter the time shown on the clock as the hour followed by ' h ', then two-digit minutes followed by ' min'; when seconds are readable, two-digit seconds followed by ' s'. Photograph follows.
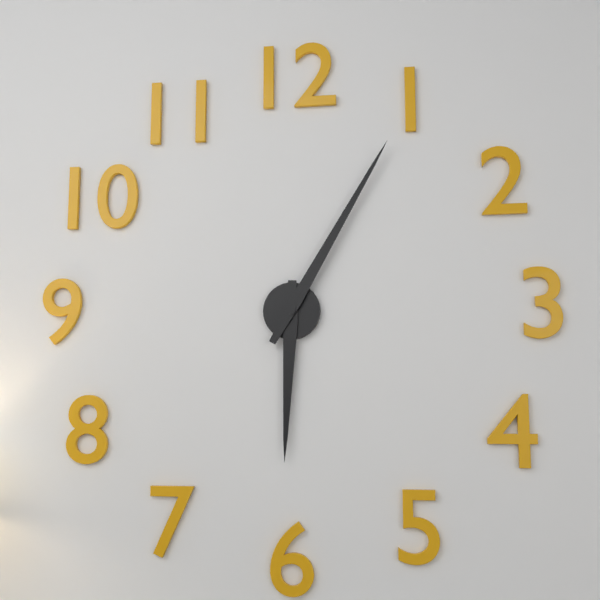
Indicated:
6 h 05 min
